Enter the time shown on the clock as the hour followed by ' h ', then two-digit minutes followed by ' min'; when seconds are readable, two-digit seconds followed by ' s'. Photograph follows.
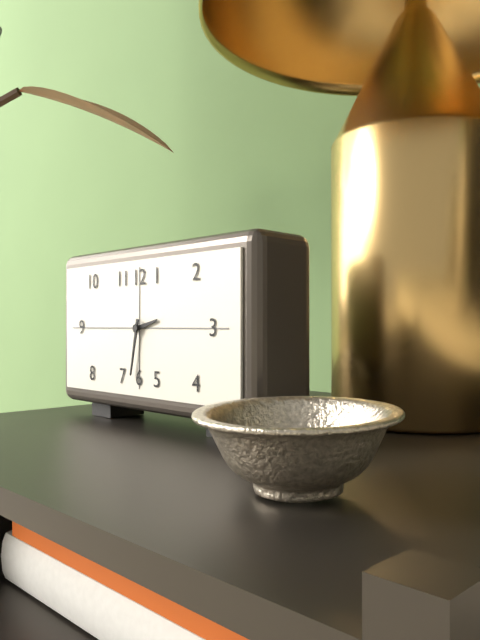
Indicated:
2 h 32 min
